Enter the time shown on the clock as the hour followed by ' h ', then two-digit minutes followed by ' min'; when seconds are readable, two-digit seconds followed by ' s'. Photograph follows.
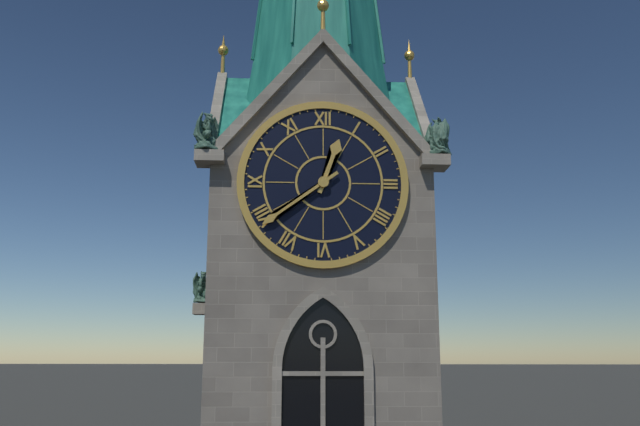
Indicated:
12 h 39 min
